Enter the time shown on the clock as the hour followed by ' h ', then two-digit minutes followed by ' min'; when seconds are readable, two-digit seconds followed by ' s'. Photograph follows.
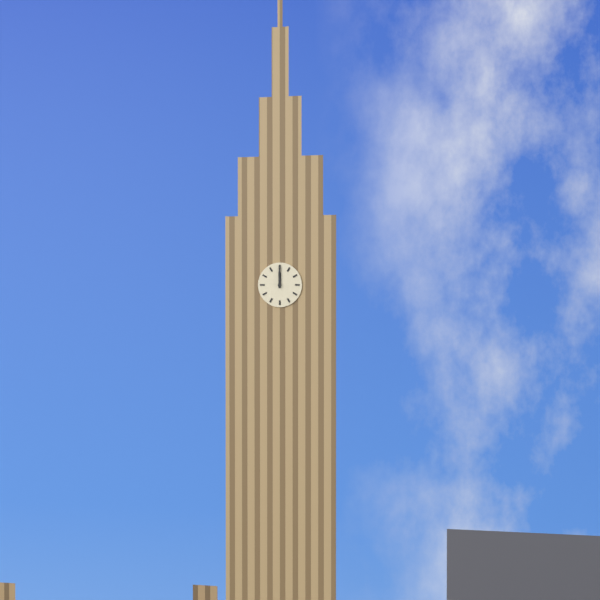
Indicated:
12 h 00 min
